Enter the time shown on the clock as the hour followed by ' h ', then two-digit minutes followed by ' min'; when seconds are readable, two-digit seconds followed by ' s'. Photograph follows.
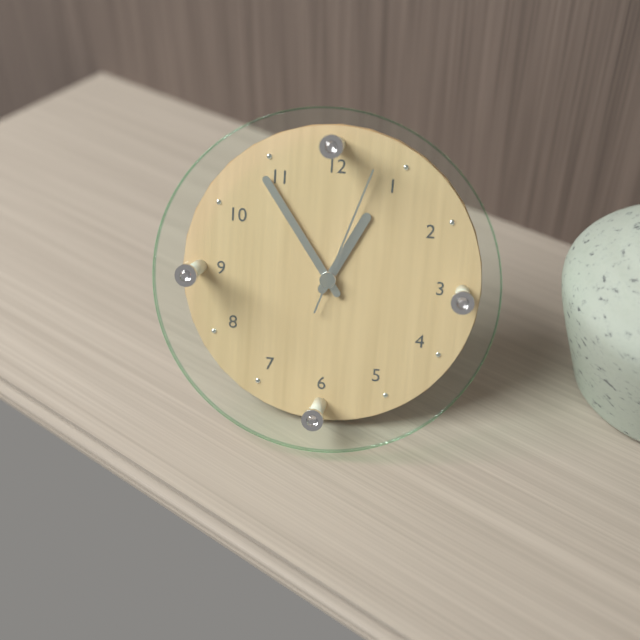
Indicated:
12 h 54 min 03 s
